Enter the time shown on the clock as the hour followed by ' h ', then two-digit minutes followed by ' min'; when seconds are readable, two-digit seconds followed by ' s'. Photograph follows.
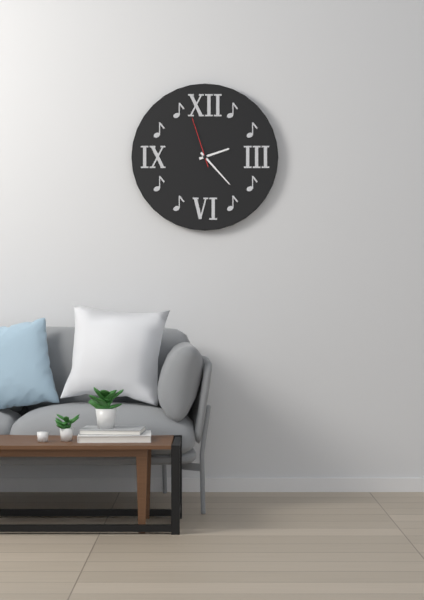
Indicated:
2 h 23 min 57 s
